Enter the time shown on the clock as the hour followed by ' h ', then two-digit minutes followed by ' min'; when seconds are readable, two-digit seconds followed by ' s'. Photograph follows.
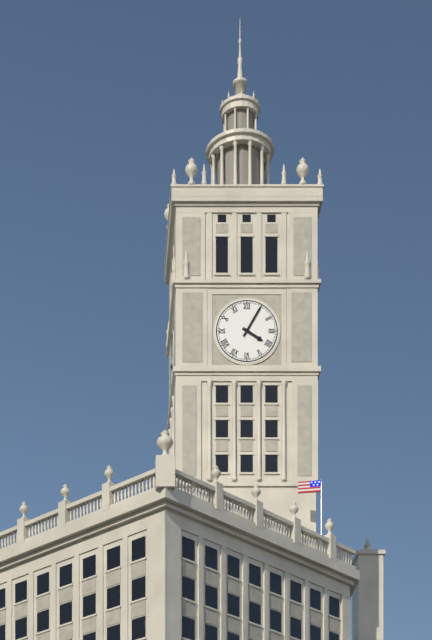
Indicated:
4 h 05 min
